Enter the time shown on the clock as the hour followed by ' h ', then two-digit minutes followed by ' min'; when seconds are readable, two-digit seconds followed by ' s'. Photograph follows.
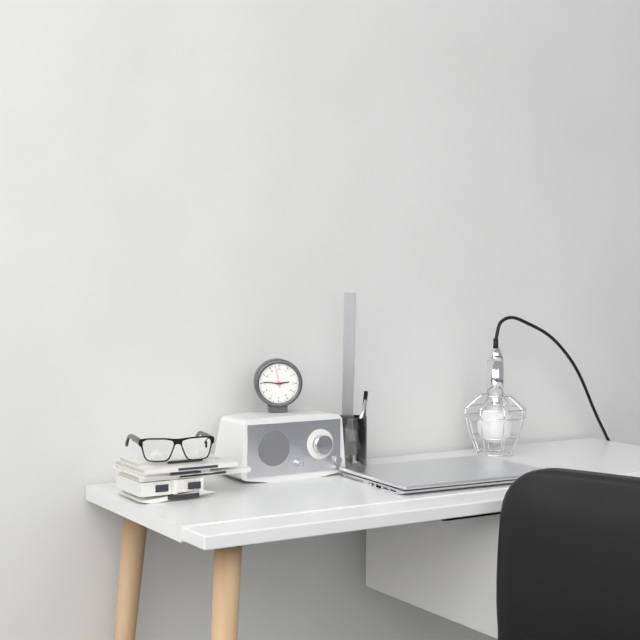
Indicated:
2 h 46 min
